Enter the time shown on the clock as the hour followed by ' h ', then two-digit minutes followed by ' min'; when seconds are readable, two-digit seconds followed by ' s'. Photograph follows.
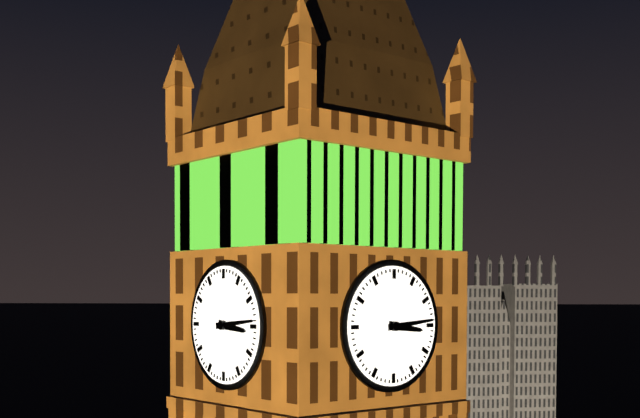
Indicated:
3 h 14 min
